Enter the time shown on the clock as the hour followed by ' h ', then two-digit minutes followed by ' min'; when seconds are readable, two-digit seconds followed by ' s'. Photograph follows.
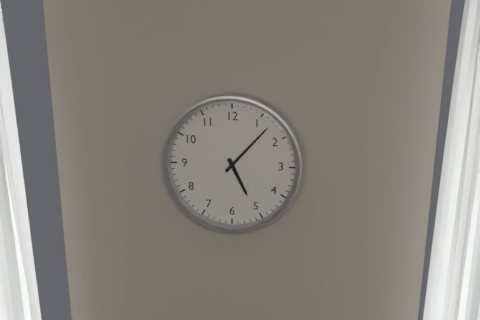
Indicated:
5 h 07 min
